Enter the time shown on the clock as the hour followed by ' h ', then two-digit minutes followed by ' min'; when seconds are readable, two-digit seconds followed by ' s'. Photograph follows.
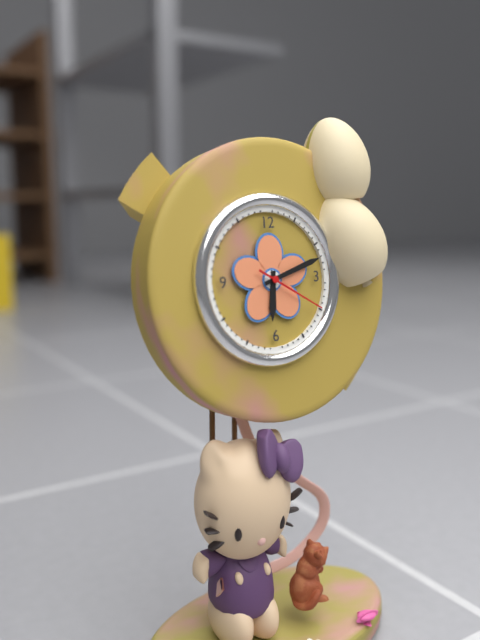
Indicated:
6 h 12 min 20 s
